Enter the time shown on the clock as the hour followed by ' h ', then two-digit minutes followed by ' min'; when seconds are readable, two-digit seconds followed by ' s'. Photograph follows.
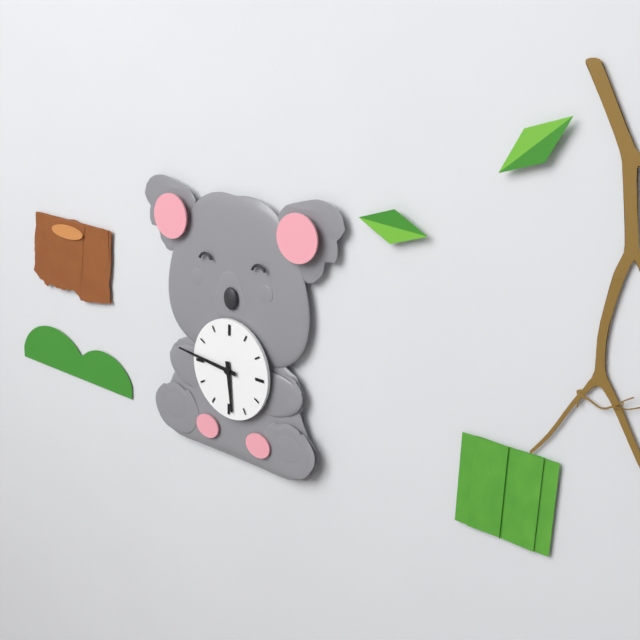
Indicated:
5 h 46 min
